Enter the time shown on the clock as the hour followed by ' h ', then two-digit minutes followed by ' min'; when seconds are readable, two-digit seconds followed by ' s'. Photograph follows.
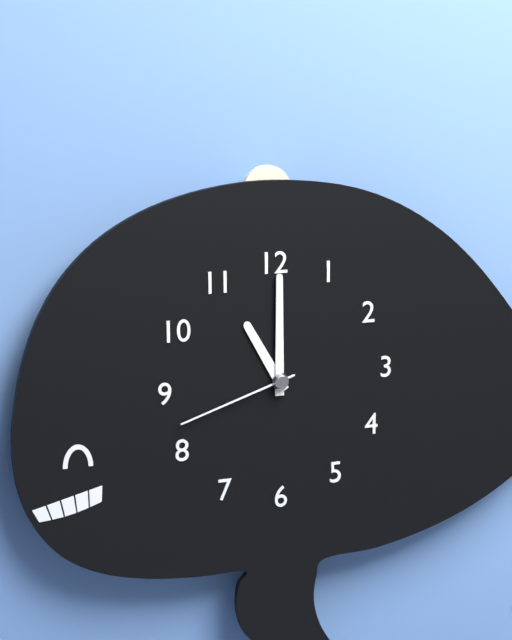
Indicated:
11 h 00 min 42 s
